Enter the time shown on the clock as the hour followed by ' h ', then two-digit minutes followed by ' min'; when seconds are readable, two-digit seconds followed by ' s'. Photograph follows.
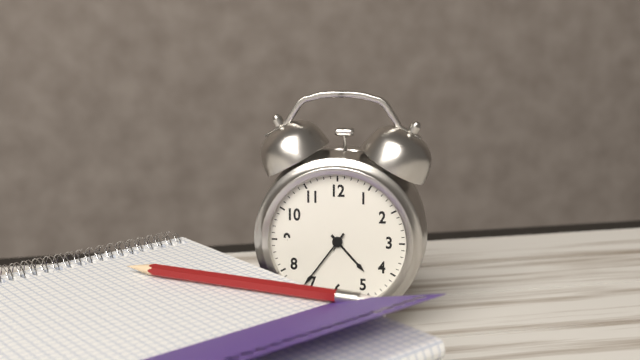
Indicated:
4 h 36 min
